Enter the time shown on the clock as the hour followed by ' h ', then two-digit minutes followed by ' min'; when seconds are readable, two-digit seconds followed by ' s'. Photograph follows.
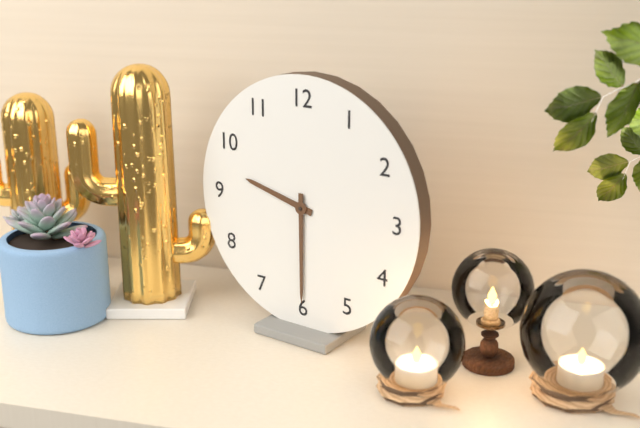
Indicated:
9 h 30 min
